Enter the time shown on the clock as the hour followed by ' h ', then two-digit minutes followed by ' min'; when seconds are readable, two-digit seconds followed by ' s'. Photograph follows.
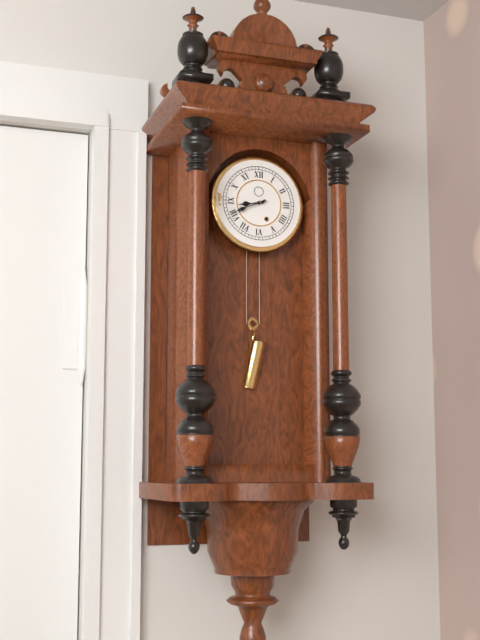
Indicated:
8 h 41 min
